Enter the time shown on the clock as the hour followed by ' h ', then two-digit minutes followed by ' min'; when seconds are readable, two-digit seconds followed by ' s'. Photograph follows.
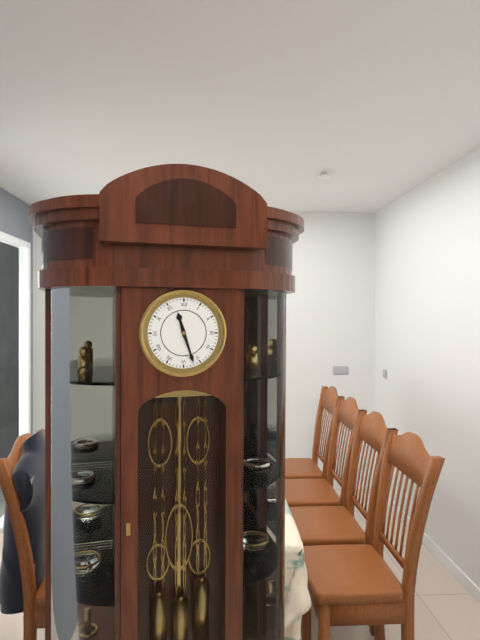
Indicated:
11 h 27 min
